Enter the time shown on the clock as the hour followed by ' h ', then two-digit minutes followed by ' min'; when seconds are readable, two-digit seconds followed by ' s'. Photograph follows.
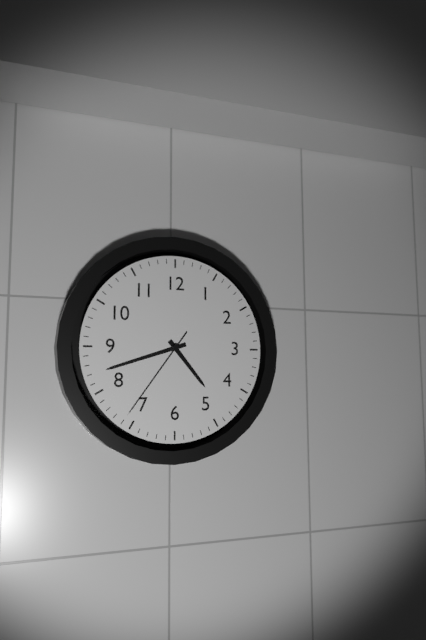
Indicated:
4 h 42 min 36 s
